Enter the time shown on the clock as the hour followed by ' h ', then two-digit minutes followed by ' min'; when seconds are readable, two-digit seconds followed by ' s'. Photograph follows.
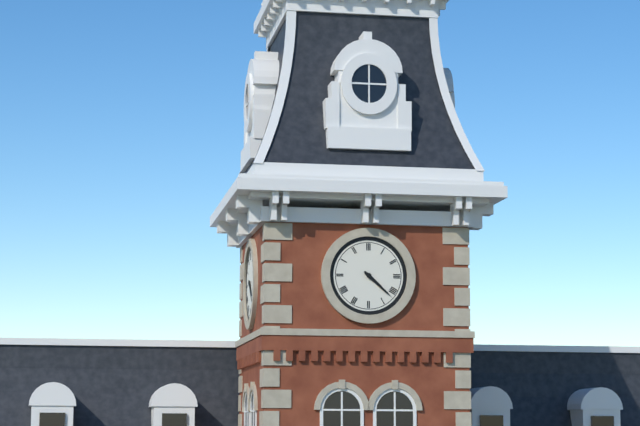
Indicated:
4 h 22 min
